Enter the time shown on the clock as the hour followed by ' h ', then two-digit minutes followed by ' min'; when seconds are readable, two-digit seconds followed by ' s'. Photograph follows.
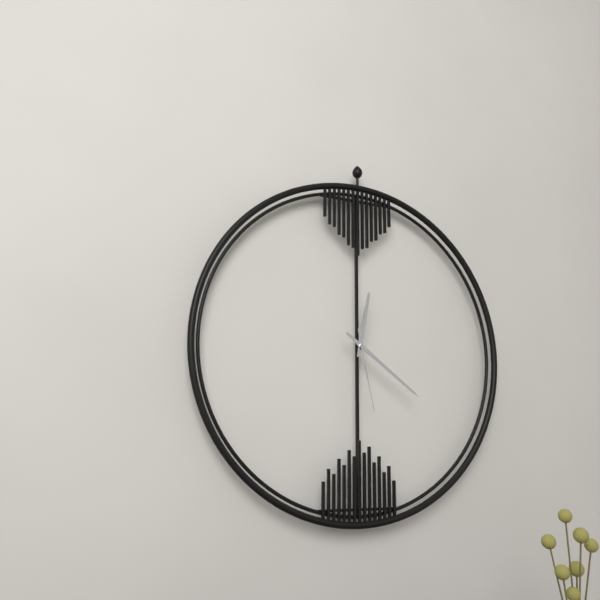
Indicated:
12 h 21 min 28 s
